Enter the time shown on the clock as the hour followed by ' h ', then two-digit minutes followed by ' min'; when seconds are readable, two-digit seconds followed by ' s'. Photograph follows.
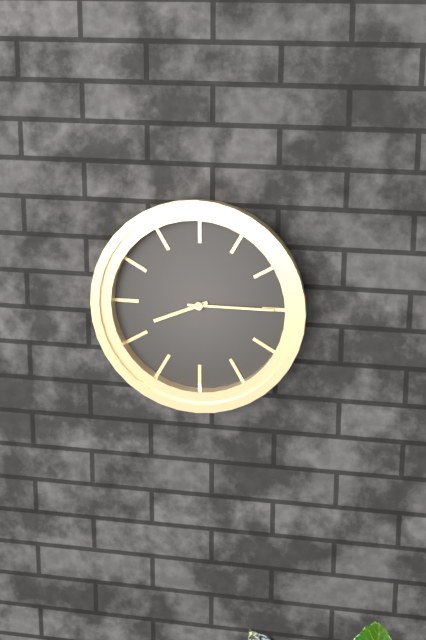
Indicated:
8 h 15 min
